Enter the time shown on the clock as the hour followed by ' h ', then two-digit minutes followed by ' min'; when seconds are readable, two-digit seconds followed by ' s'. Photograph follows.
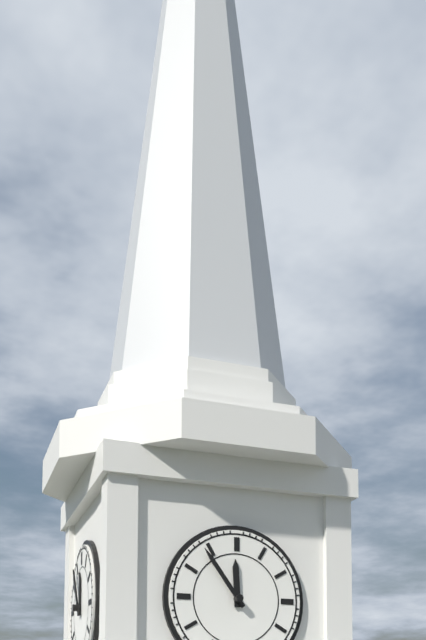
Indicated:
11 h 54 min
